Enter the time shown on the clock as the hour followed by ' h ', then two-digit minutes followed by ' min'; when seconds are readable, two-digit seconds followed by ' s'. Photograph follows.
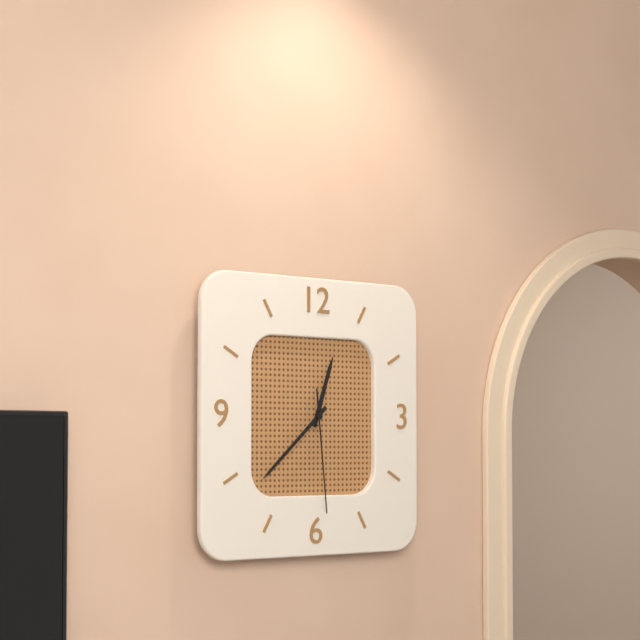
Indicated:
12 h 38 min 29 s
